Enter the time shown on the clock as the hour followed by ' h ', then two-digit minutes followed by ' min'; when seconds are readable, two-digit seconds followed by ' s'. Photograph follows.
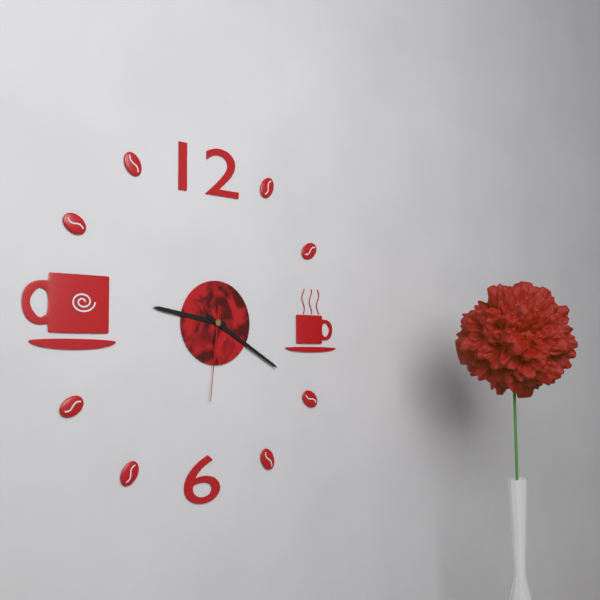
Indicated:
9 h 20 min 31 s
